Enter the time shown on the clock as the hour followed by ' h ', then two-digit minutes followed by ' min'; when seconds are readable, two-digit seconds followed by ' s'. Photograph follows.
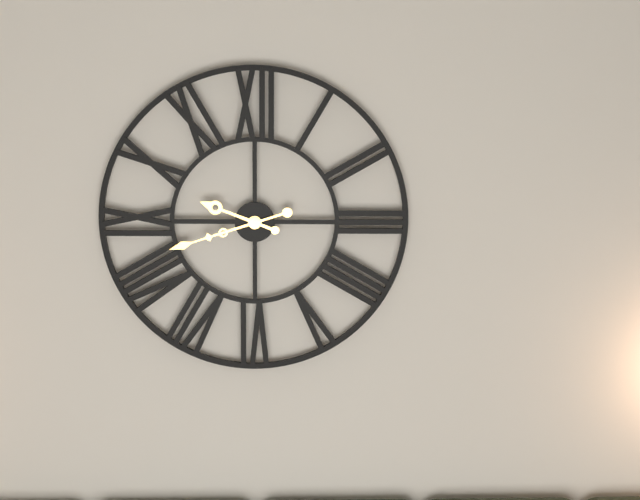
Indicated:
9 h 42 min
